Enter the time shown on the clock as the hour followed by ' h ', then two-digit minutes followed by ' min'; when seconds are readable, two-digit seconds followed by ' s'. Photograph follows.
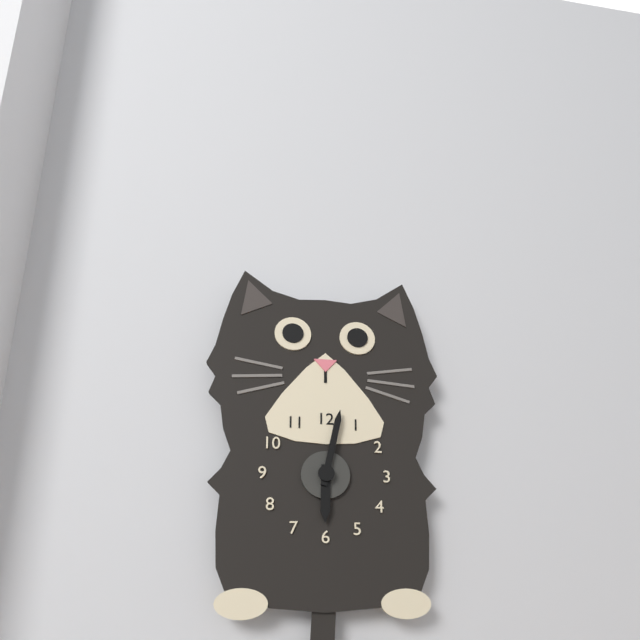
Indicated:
6 h 02 min
